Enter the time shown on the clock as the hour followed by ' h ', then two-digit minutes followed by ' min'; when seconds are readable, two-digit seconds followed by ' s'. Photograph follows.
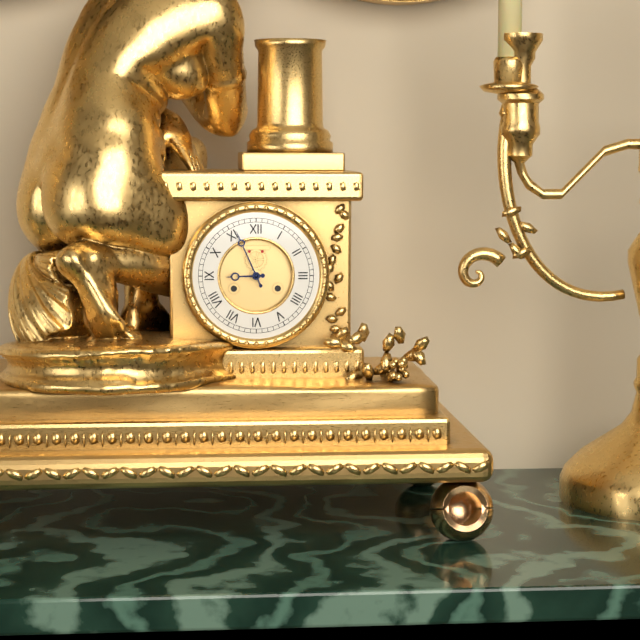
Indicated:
8 h 56 min
